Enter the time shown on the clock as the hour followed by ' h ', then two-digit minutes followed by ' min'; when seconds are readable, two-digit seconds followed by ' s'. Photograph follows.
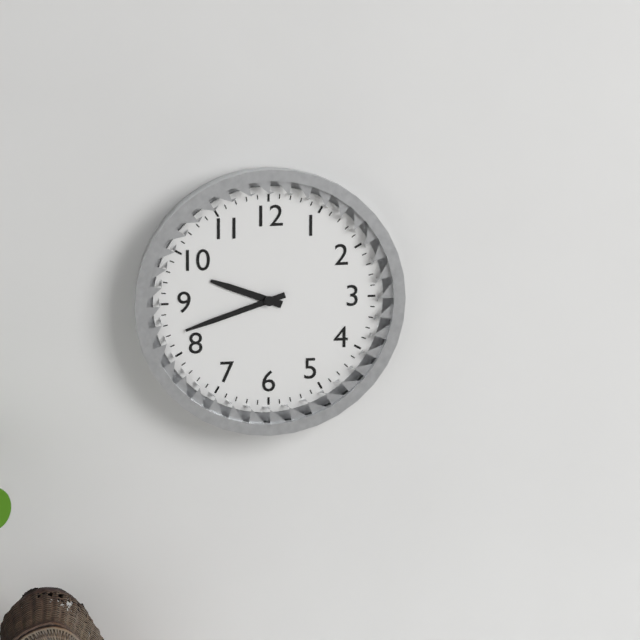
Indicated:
9 h 42 min
